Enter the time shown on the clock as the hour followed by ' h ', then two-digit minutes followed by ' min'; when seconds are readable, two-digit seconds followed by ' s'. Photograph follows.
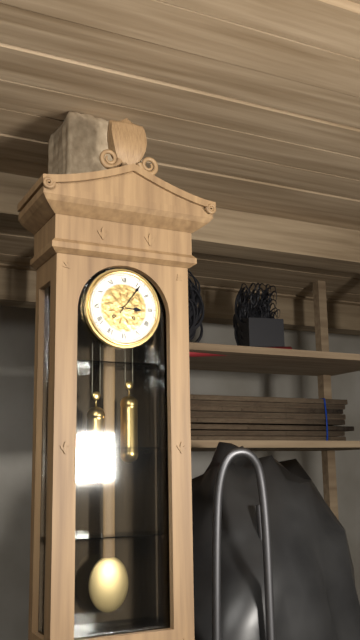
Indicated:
3 h 06 min
